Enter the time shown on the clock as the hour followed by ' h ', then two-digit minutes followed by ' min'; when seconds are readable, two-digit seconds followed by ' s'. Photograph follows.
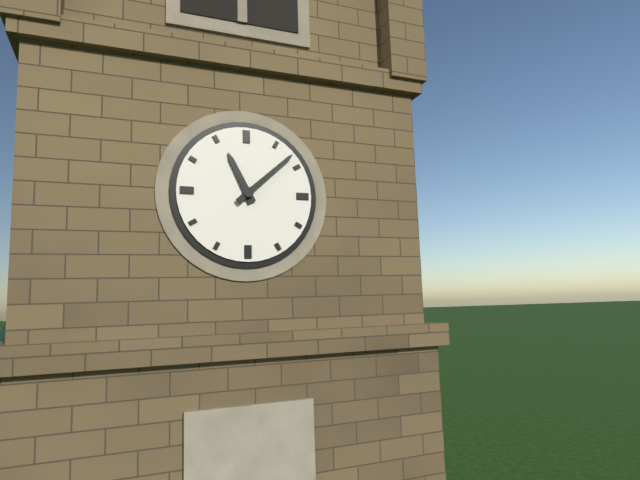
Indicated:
11 h 08 min
